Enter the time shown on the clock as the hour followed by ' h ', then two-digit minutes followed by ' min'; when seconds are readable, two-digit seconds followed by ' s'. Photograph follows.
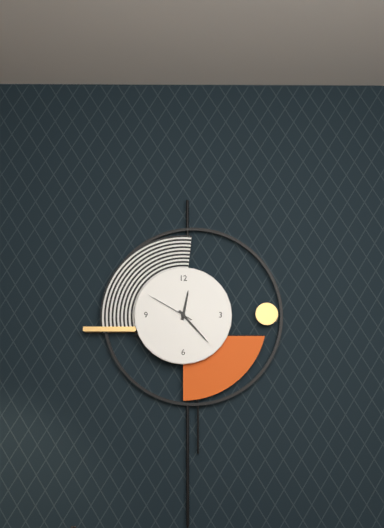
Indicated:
12 h 23 min 50 s
